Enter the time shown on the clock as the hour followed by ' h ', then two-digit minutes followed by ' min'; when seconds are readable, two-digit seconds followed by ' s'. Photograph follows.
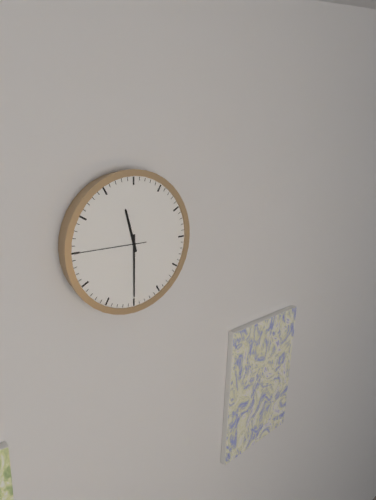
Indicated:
11 h 30 min 45 s
